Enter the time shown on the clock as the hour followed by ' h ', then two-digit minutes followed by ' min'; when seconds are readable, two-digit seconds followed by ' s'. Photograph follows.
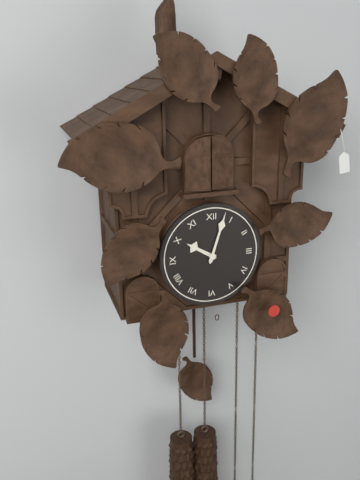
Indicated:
10 h 03 min
